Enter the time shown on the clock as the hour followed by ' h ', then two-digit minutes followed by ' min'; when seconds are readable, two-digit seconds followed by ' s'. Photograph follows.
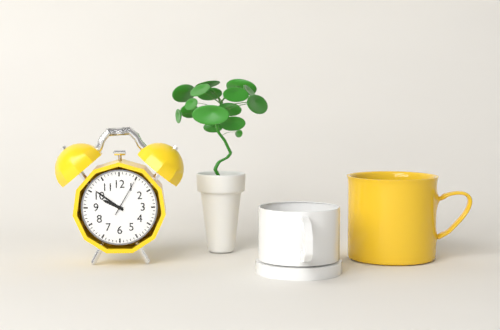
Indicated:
9 h 51 min
